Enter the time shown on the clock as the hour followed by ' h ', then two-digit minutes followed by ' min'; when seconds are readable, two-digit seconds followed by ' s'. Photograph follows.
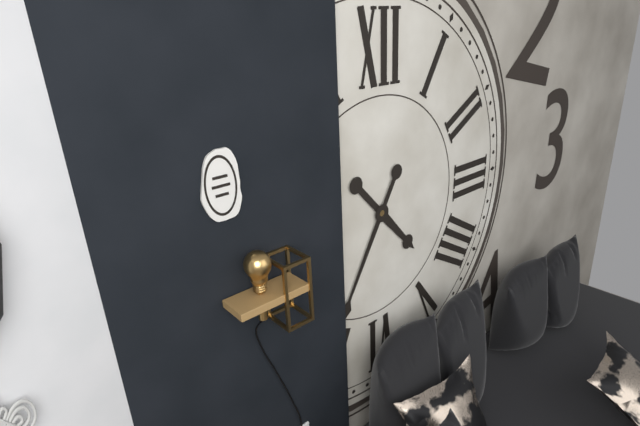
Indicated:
4 h 35 min
